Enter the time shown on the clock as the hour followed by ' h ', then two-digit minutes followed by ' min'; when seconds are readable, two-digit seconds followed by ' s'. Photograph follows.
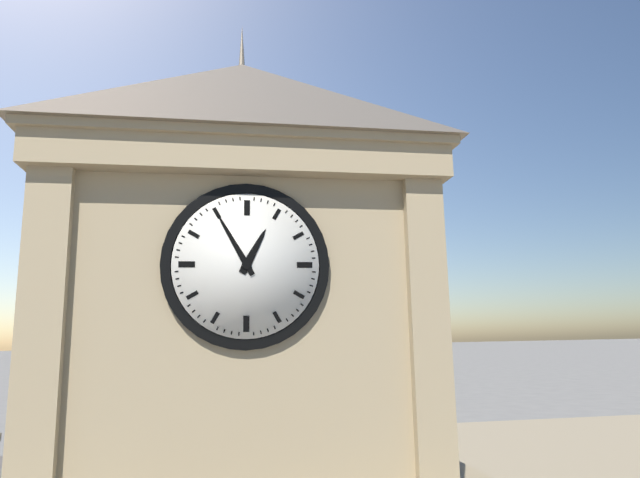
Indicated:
12 h 55 min
